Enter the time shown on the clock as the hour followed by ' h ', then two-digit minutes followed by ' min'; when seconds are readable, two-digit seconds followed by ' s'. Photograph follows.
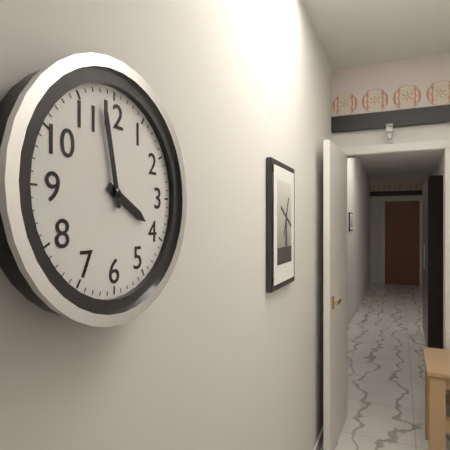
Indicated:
3 h 58 min
